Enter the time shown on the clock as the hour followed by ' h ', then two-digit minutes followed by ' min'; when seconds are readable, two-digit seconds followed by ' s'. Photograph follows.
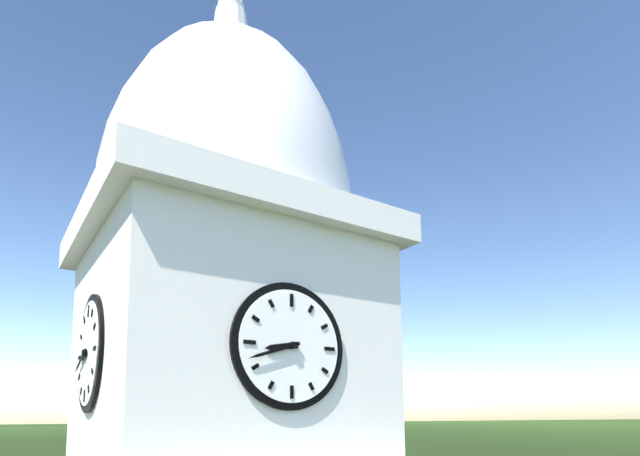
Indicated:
8 h 42 min
